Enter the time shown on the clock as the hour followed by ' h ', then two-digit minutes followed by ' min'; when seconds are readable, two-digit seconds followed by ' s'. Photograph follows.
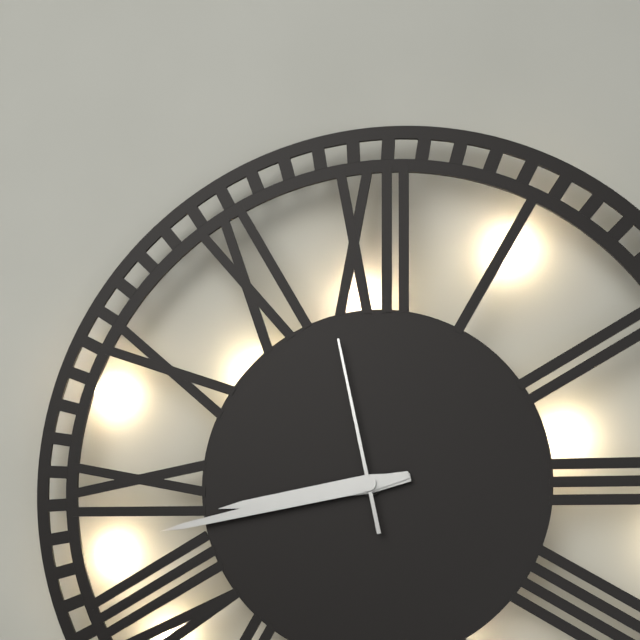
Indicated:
8 h 43 min 58 s
